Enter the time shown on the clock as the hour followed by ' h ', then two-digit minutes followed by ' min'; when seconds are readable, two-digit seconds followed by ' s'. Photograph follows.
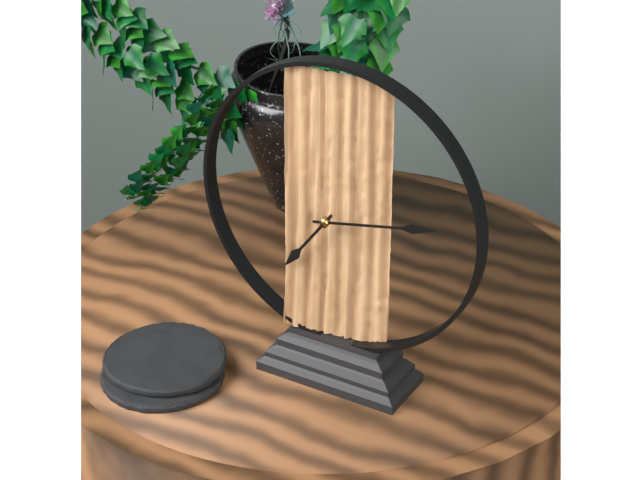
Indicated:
7 h 13 min
